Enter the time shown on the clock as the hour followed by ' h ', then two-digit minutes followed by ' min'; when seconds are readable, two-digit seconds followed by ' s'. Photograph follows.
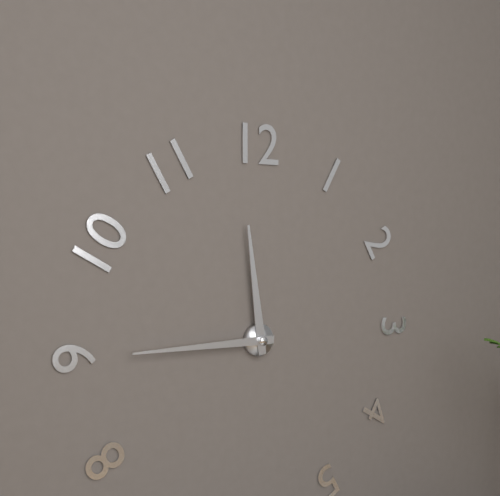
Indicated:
11 h 45 min
